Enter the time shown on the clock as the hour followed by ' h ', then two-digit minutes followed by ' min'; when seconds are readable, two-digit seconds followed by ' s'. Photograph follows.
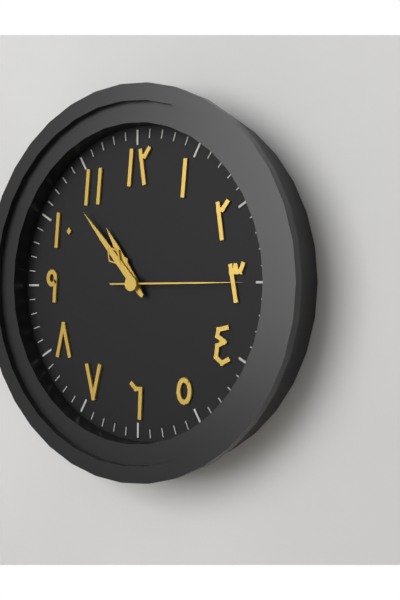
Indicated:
10 h 53 min 15 s
